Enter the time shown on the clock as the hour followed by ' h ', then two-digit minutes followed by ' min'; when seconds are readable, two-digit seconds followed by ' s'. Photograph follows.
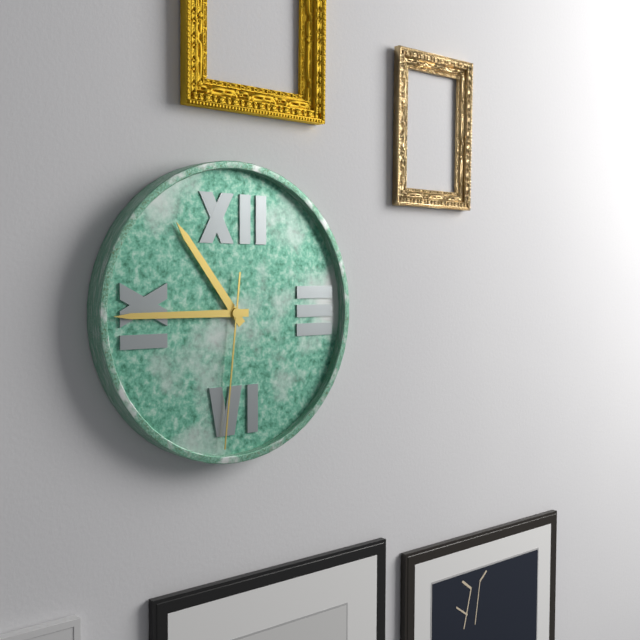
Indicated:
10 h 45 min 31 s
